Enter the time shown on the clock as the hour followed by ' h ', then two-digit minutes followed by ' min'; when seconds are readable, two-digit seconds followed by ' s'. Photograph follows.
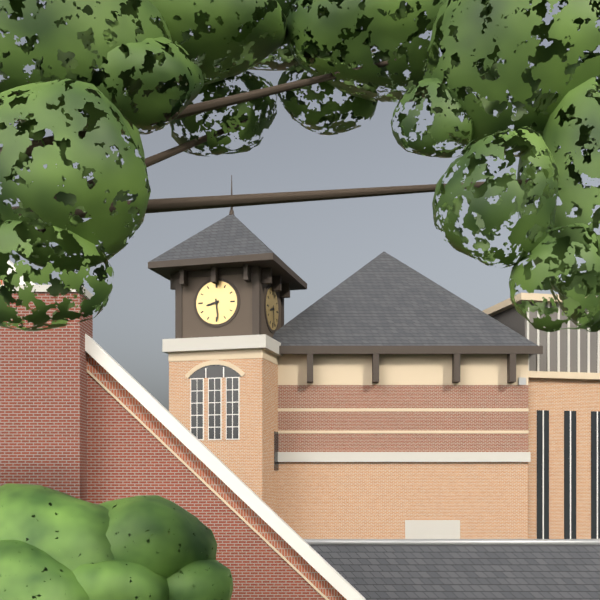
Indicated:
8 h 29 min
